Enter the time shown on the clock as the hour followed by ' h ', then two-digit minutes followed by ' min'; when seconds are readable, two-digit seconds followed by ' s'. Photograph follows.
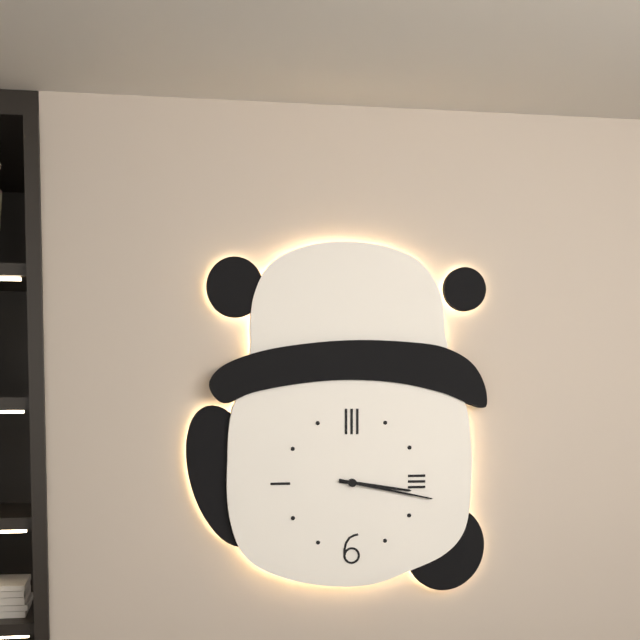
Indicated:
3 h 17 min
